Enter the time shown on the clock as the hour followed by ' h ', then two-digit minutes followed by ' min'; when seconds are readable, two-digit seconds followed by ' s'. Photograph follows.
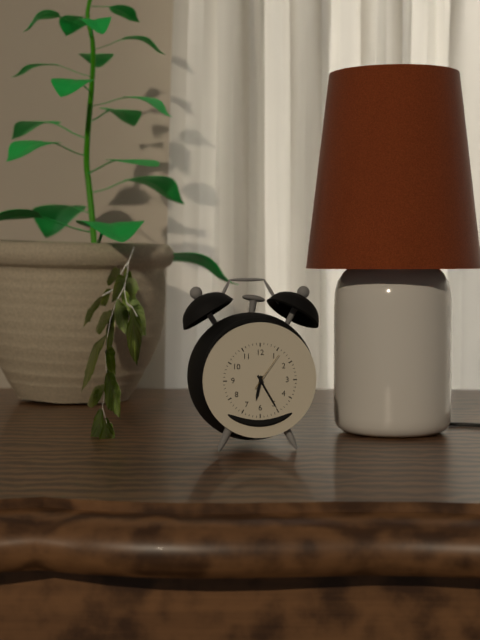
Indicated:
6 h 25 min
